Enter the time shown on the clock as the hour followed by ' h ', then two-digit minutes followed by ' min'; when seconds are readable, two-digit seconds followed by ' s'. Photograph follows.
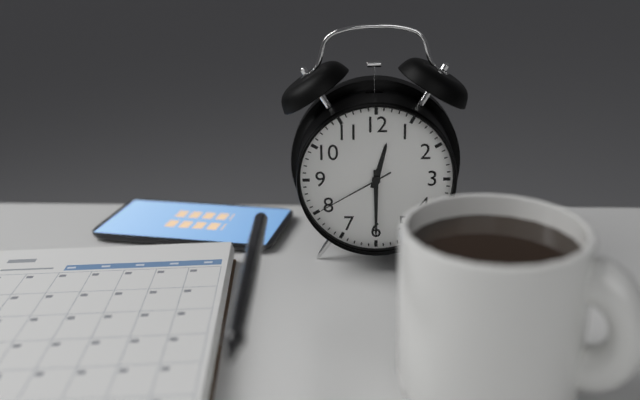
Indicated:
12 h 30 min 40 s
